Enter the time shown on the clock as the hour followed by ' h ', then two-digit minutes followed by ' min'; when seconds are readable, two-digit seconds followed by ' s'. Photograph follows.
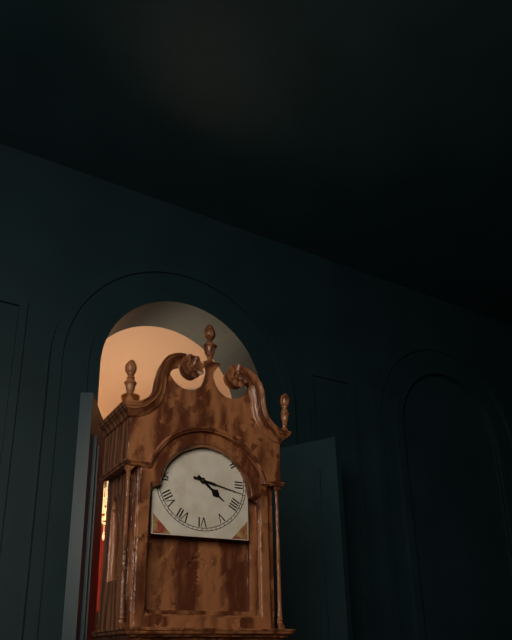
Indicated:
4 h 17 min
